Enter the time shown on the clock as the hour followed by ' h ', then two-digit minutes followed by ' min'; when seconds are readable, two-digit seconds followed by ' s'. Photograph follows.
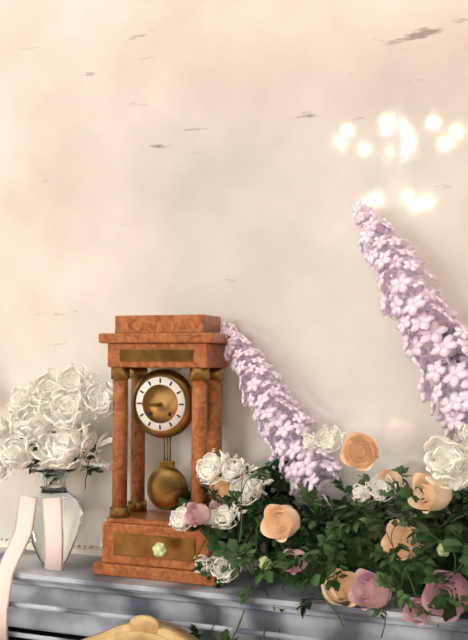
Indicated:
8 h 45 min
